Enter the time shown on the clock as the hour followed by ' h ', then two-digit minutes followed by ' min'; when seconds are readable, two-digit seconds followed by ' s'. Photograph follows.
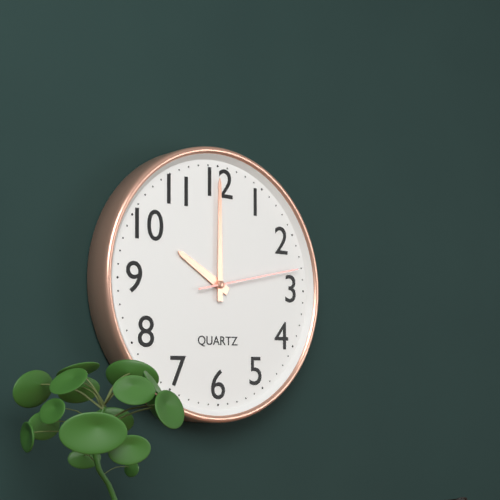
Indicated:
10 h 00 min 13 s
